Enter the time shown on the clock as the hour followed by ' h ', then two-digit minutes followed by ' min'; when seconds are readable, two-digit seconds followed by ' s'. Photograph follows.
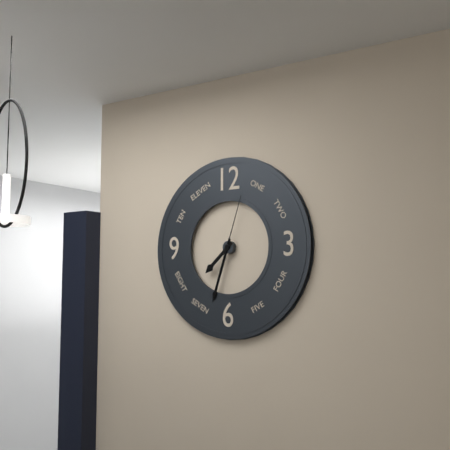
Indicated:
7 h 33 min 03 s
